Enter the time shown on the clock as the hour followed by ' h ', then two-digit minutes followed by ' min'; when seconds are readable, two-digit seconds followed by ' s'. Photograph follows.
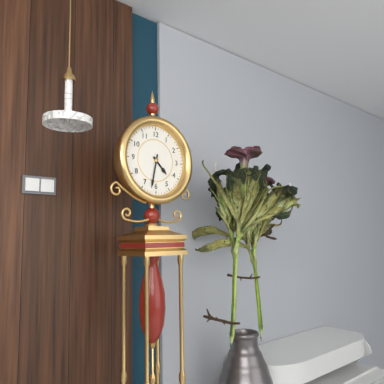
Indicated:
4 h 32 min
